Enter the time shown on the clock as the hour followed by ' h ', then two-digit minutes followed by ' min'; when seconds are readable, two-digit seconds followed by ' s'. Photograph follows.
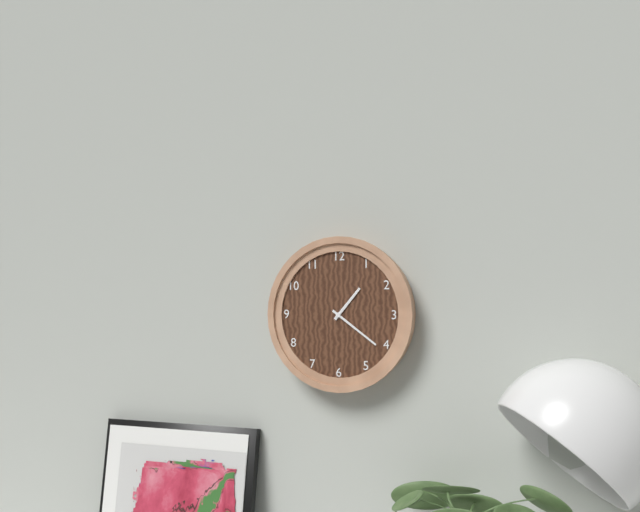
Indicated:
1 h 21 min
